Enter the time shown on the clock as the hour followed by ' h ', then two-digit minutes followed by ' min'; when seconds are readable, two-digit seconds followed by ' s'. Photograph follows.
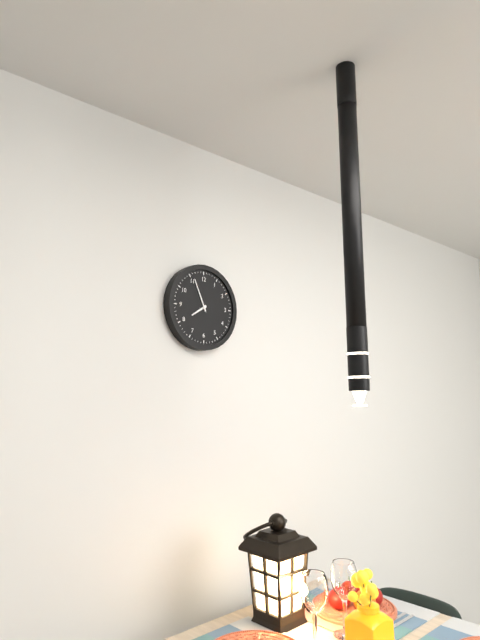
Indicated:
7 h 56 min
